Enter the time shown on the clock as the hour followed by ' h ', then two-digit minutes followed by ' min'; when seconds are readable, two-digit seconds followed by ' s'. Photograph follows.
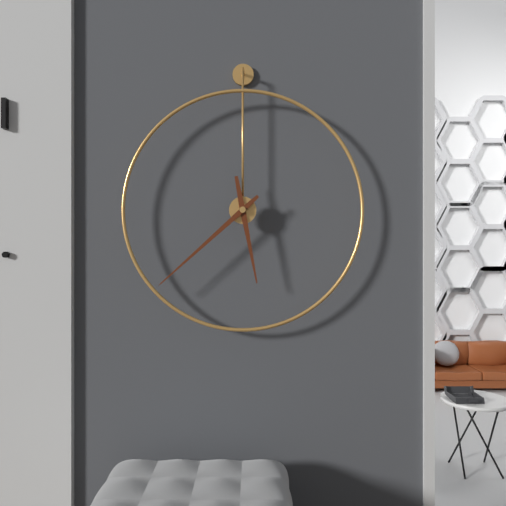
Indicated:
5 h 38 min
